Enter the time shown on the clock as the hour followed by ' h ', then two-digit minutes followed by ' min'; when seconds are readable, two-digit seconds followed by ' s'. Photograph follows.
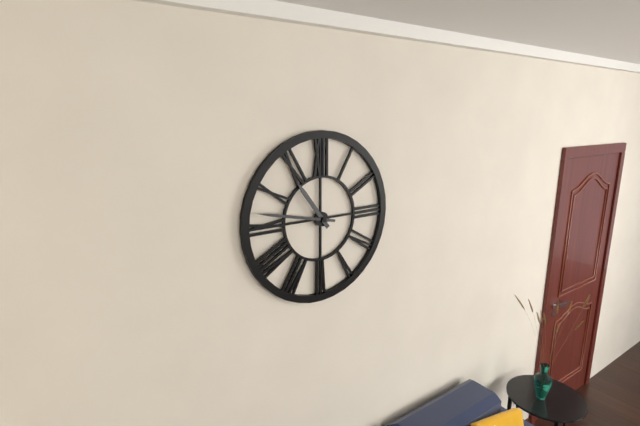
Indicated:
10 h 47 min
